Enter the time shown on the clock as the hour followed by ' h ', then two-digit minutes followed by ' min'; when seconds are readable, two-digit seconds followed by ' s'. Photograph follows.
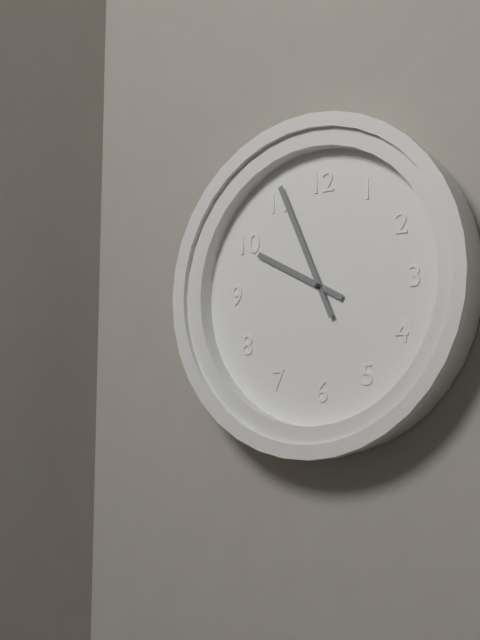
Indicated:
9 h 56 min
